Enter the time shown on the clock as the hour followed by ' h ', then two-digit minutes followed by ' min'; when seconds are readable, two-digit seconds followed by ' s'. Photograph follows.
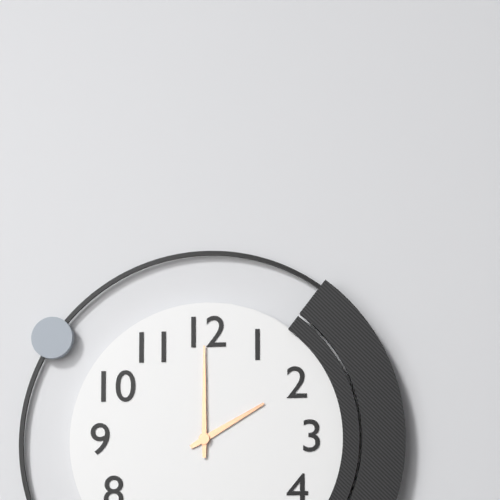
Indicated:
2 h 00 min
